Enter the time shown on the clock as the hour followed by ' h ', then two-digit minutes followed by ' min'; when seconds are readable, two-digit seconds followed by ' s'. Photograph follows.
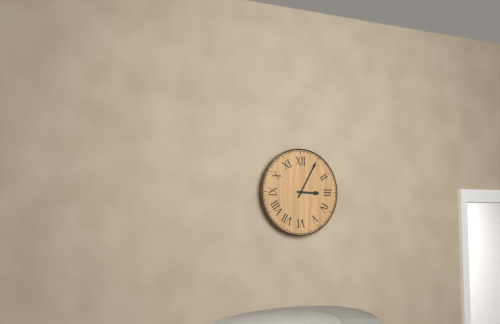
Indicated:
3 h 05 min
